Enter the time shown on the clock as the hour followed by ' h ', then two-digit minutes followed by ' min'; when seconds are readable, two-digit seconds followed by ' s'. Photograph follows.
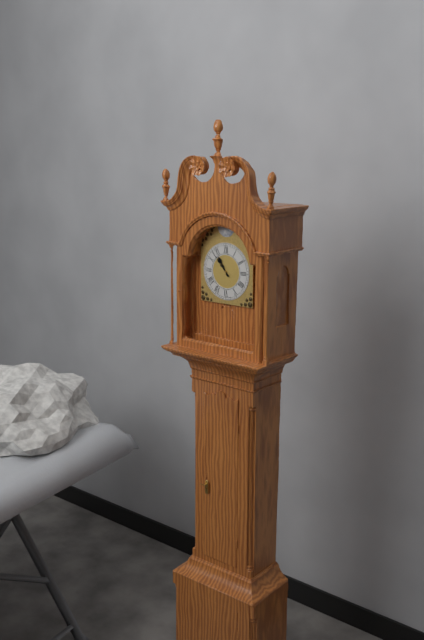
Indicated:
10 h 53 min
